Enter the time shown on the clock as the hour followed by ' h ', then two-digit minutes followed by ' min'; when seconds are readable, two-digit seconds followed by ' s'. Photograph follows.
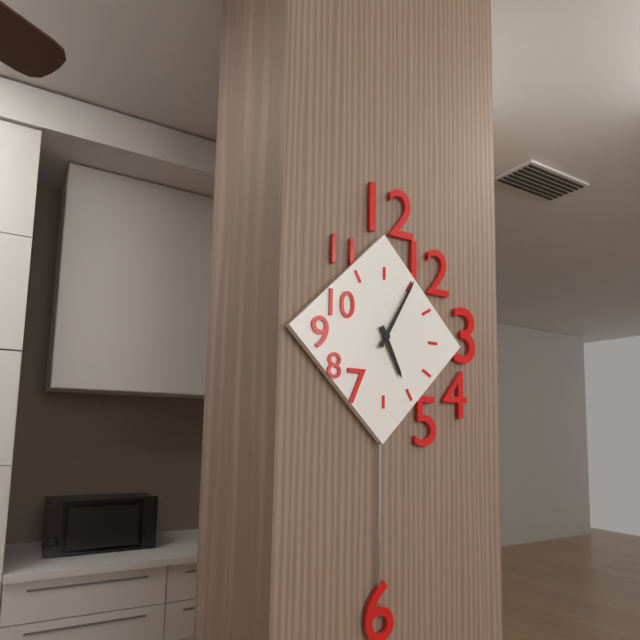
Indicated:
5 h 05 min
